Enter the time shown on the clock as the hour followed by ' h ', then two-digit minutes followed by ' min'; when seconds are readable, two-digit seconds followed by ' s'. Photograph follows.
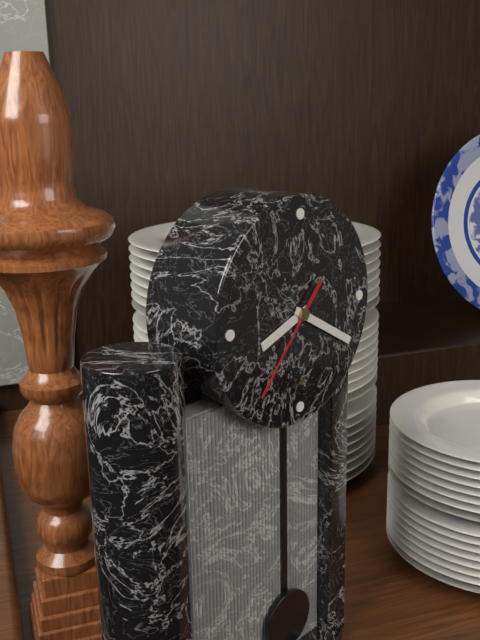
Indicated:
8 h 20 min 37 s
